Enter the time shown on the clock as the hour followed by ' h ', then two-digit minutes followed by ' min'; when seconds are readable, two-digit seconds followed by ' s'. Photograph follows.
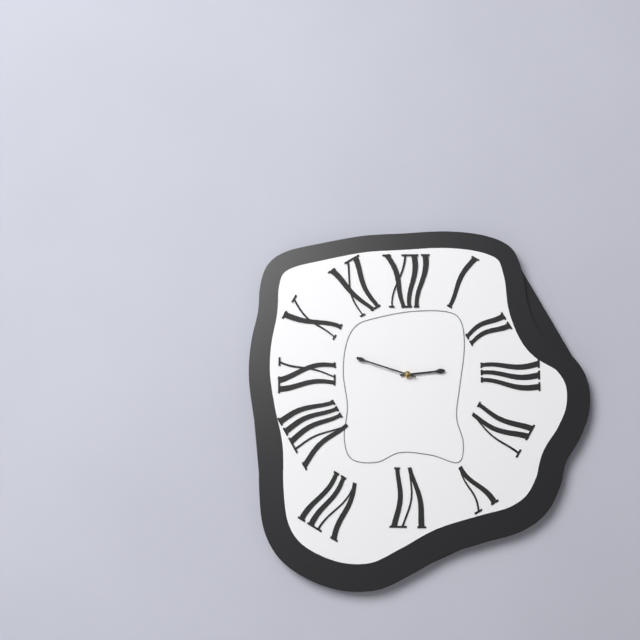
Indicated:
2 h 48 min
